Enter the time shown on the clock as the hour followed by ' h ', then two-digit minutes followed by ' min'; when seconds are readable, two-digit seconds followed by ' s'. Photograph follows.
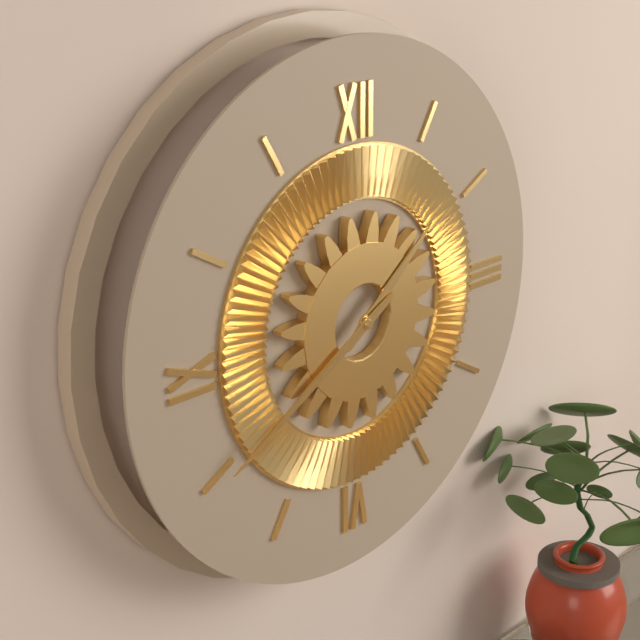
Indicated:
1 h 40 min
